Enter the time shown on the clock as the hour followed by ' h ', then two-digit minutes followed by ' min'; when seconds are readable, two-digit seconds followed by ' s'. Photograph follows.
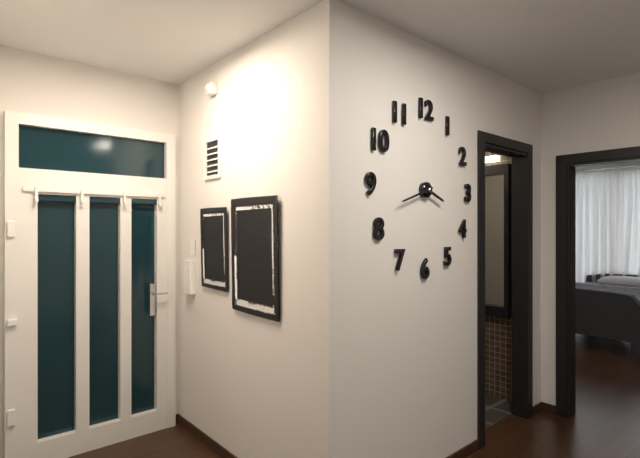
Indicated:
3 h 42 min
